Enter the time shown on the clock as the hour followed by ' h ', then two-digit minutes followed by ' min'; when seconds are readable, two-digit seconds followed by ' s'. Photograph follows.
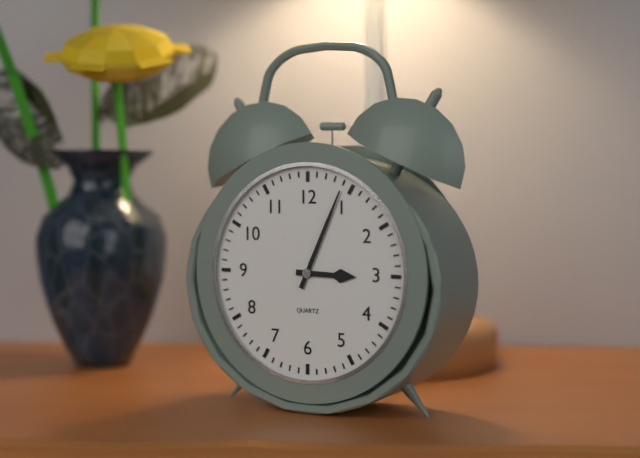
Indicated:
3 h 04 min
